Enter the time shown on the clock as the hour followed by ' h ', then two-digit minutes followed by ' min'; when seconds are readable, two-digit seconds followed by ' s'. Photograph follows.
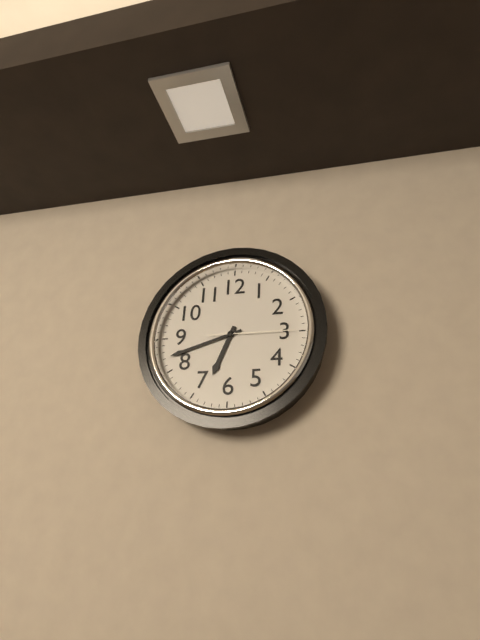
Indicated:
6 h 42 min 15 s
